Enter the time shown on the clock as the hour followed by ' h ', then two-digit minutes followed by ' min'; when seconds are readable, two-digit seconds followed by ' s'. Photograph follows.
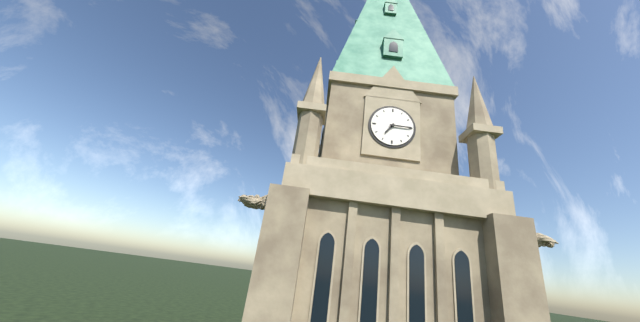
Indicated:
7 h 15 min
